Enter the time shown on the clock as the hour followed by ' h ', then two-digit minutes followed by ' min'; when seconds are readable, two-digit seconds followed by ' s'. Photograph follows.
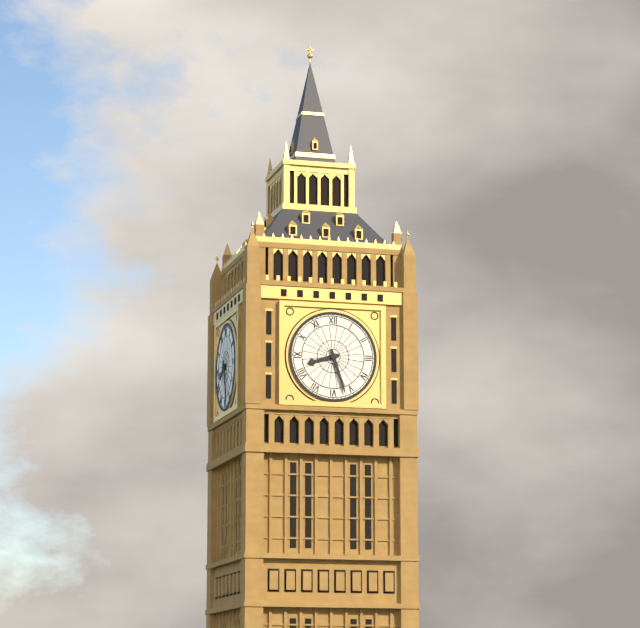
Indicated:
8 h 27 min
